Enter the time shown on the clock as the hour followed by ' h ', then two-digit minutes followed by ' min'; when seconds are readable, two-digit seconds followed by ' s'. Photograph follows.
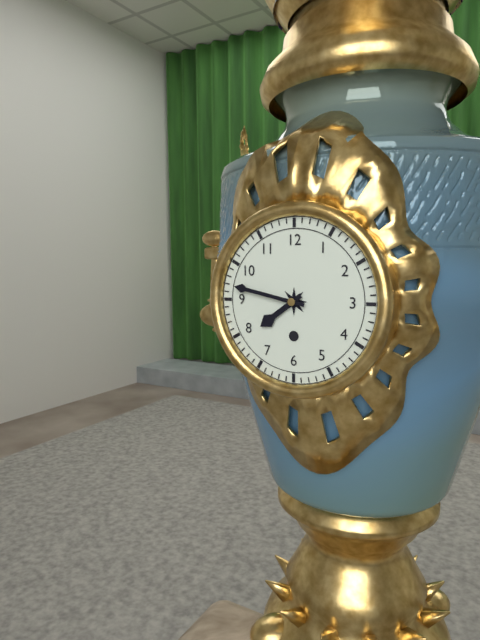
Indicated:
7 h 47 min
